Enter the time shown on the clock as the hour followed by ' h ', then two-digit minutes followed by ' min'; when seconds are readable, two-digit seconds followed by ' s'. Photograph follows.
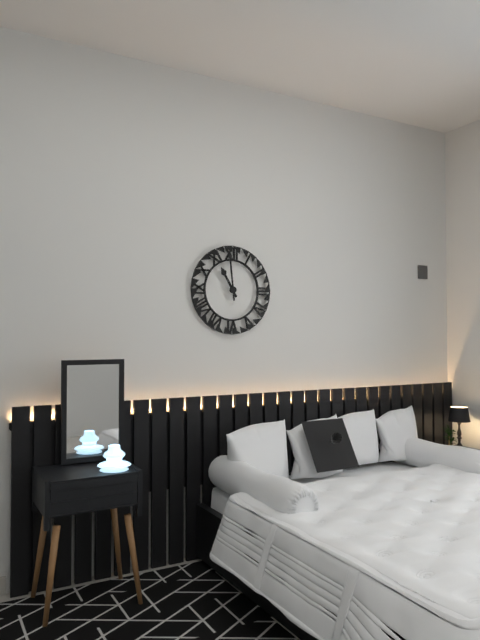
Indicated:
10 h 59 min
